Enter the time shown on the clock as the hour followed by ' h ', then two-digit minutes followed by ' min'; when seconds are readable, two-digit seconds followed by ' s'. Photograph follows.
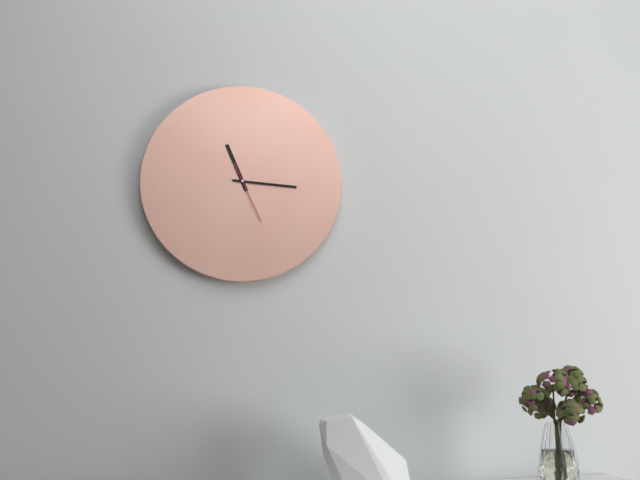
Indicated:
11 h 16 min 26 s
